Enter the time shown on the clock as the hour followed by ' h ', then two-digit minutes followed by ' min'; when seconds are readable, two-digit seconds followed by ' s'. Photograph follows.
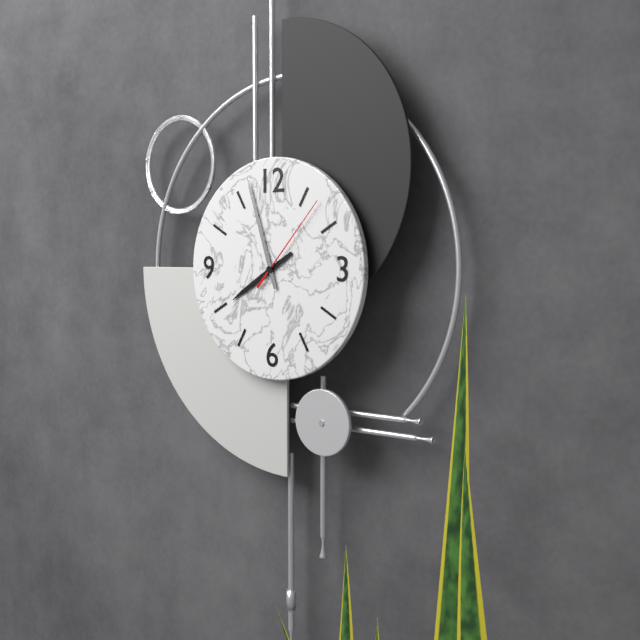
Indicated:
7 h 57 min 07 s
